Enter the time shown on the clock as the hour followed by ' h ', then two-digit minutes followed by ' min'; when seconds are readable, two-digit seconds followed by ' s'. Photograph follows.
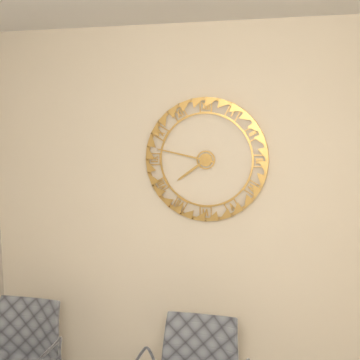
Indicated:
7 h 47 min
